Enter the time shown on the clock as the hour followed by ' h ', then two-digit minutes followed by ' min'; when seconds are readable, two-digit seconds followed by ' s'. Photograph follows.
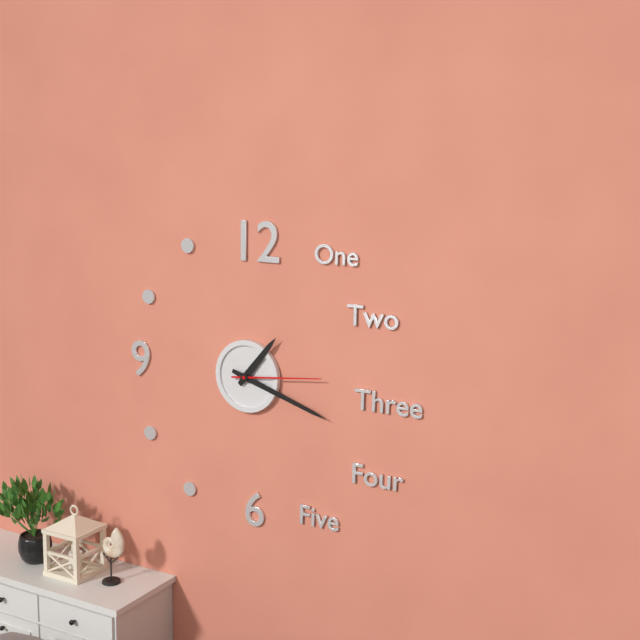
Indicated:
1 h 18 min 14 s
